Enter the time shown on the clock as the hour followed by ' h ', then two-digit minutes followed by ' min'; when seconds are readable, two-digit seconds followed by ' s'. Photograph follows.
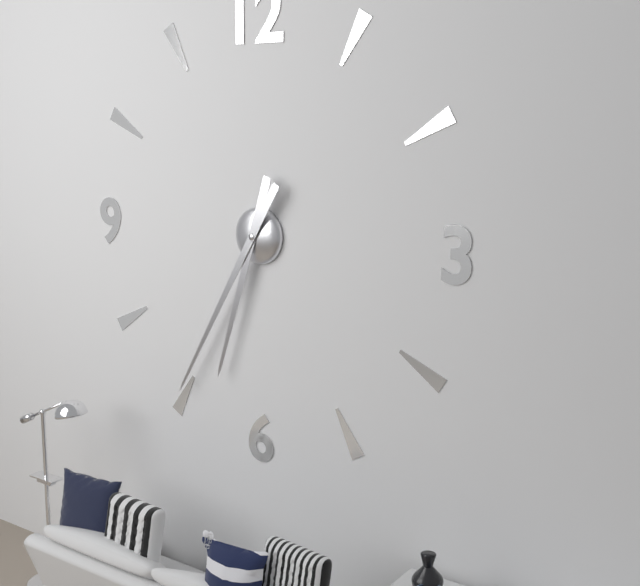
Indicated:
6 h 35 min
